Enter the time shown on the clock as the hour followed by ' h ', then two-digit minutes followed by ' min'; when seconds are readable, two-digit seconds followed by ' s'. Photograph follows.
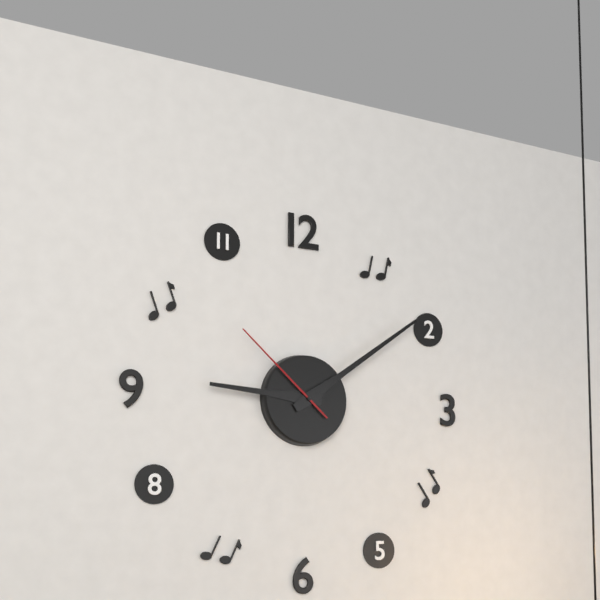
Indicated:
9 h 09 min 52 s
